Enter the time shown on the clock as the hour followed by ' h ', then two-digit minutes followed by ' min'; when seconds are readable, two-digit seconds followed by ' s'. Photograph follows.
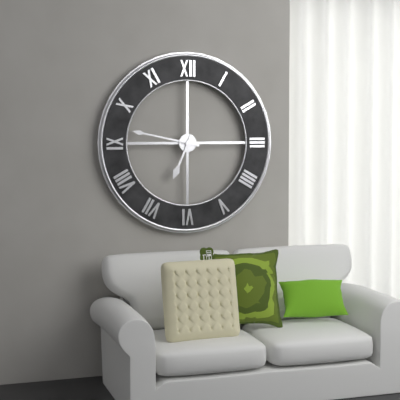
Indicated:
6 h 47 min
